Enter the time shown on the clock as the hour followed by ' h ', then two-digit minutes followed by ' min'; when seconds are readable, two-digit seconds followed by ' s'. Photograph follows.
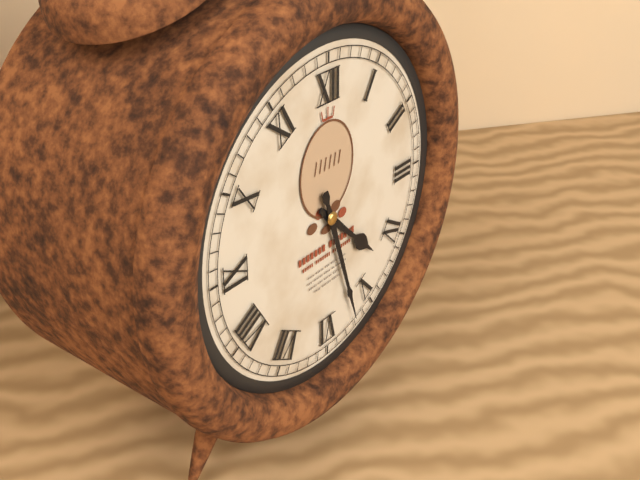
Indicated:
4 h 27 min
